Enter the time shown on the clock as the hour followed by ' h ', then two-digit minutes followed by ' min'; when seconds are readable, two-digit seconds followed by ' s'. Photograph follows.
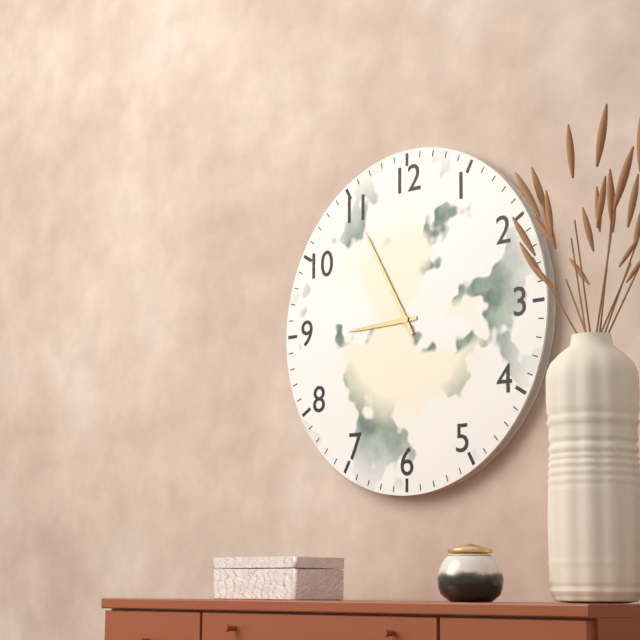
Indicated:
8 h 55 min
